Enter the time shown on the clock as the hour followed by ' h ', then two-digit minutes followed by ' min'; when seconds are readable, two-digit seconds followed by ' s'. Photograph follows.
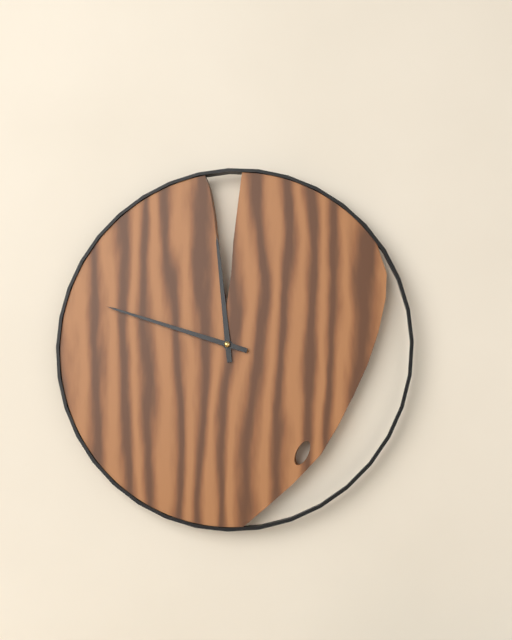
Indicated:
11 h 48 min
